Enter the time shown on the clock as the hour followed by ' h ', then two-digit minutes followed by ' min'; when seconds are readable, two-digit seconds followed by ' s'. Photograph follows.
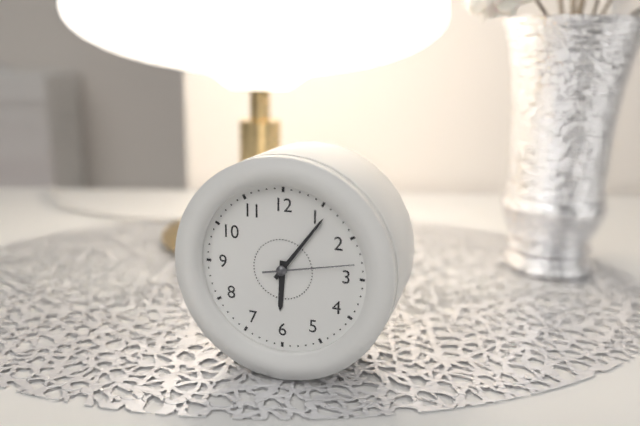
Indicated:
6 h 06 min 13 s
